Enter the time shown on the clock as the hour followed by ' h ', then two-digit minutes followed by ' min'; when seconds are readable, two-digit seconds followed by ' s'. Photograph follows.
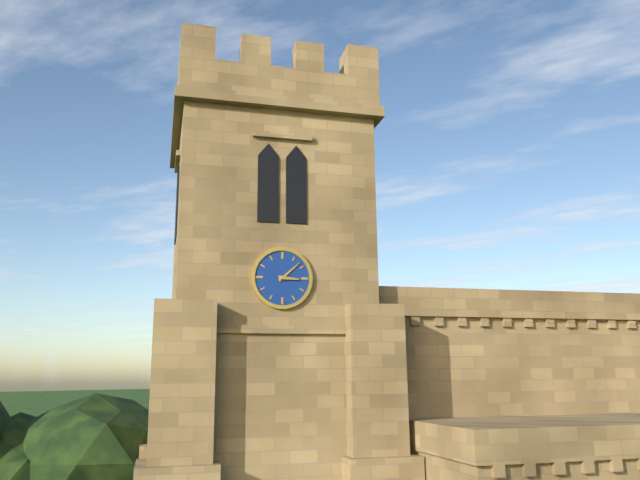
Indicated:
3 h 08 min
